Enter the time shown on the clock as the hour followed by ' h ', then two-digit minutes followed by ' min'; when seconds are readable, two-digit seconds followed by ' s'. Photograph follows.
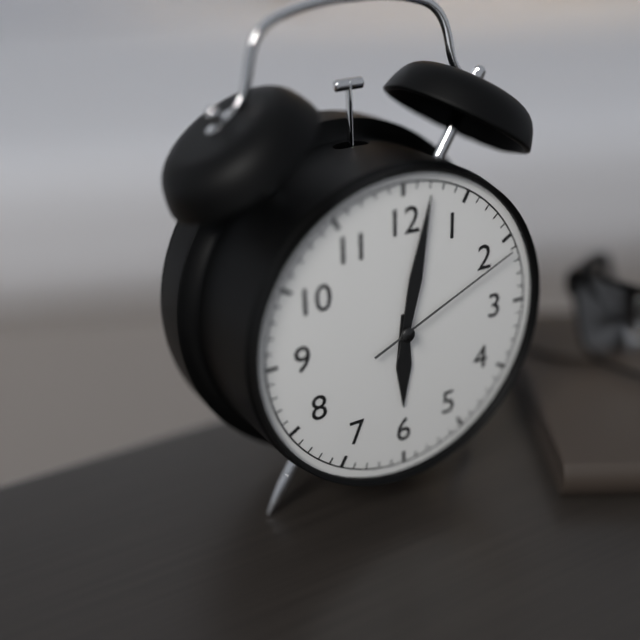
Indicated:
6 h 02 min 11 s
